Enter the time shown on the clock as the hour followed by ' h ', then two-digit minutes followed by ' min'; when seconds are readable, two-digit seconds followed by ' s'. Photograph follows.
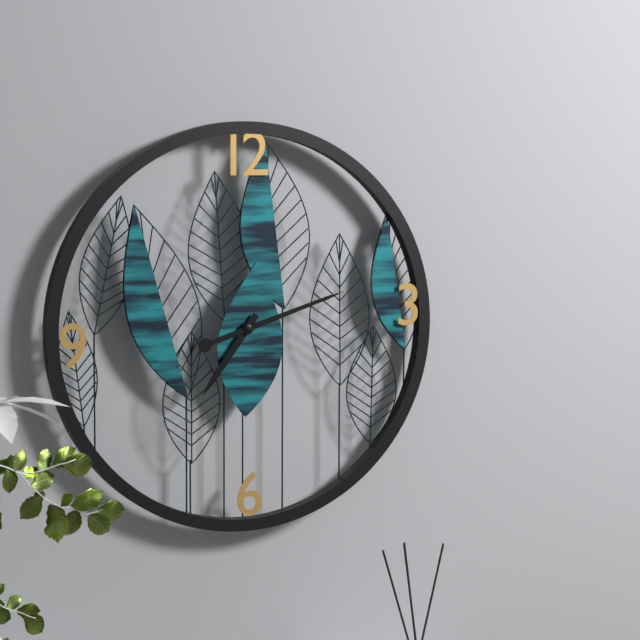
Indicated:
7 h 12 min
